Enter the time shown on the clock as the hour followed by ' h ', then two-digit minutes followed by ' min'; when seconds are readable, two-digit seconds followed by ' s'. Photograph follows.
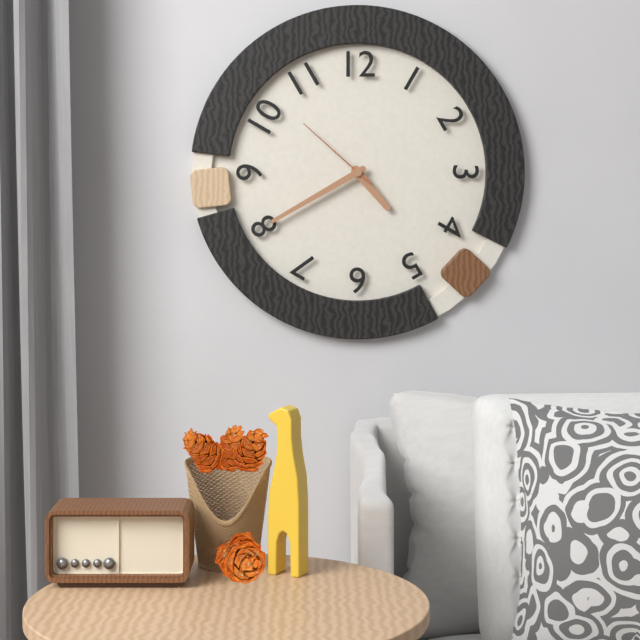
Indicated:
4 h 40 min 52 s
